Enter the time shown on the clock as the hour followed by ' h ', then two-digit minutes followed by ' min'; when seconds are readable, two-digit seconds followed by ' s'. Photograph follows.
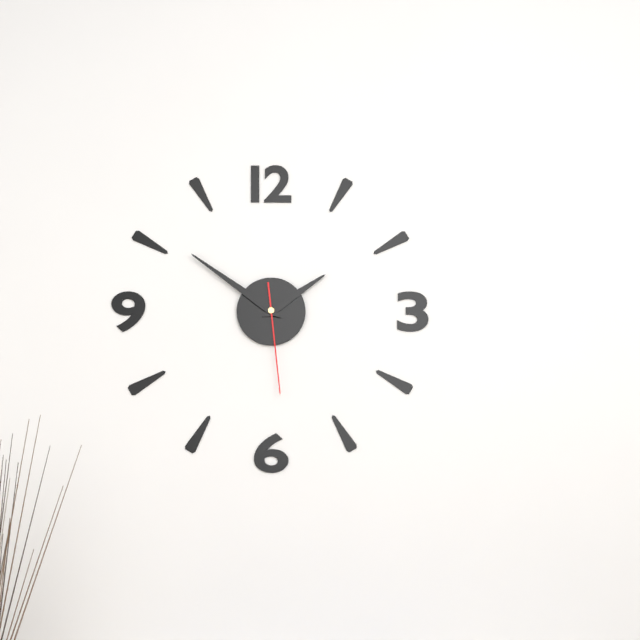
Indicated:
1 h 51 min 29 s
